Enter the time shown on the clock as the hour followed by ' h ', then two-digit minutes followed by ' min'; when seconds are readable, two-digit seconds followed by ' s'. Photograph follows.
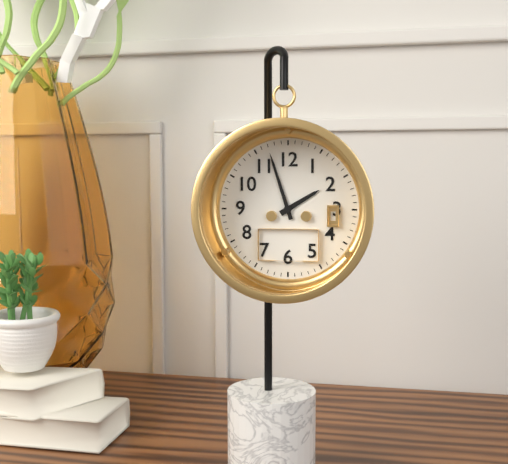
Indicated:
1 h 57 min
